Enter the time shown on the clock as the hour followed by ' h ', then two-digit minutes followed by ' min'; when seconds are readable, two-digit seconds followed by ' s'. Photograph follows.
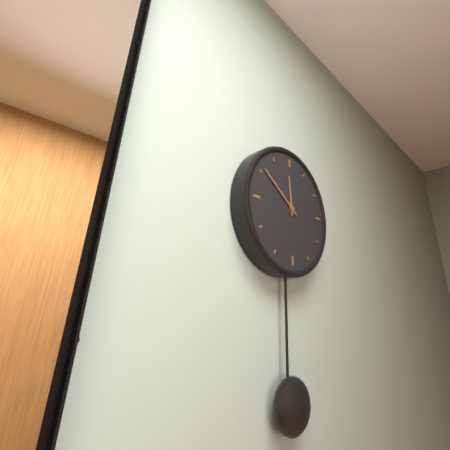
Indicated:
11 h 51 min
